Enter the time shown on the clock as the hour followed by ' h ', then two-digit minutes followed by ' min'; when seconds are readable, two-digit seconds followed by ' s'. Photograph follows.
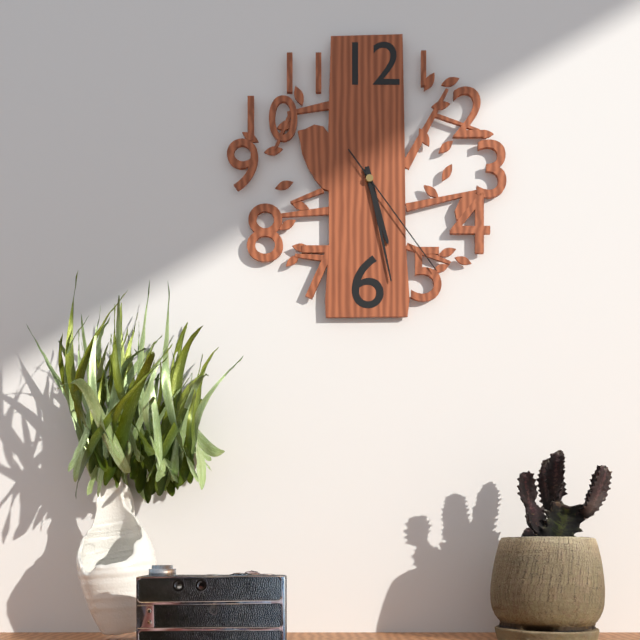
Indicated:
5 h 28 min 24 s
